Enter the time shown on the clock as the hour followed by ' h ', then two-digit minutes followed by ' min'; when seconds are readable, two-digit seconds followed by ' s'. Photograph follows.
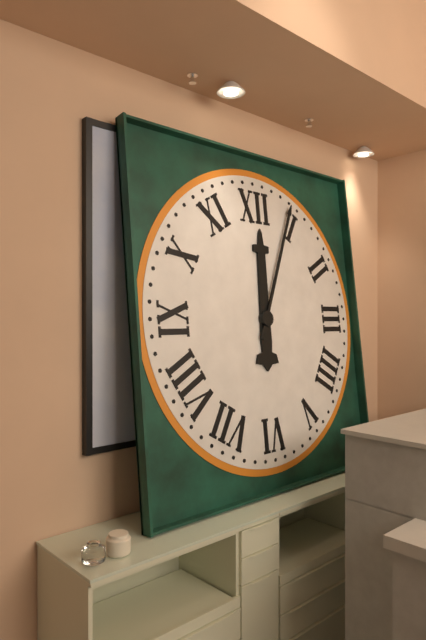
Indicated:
12 h 04 min
